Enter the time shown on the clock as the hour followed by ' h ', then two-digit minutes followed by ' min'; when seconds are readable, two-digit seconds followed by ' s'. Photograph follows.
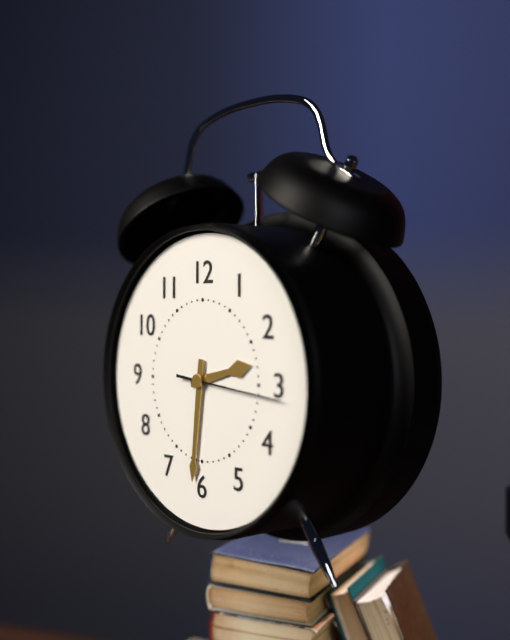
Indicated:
2 h 31 min 16 s
